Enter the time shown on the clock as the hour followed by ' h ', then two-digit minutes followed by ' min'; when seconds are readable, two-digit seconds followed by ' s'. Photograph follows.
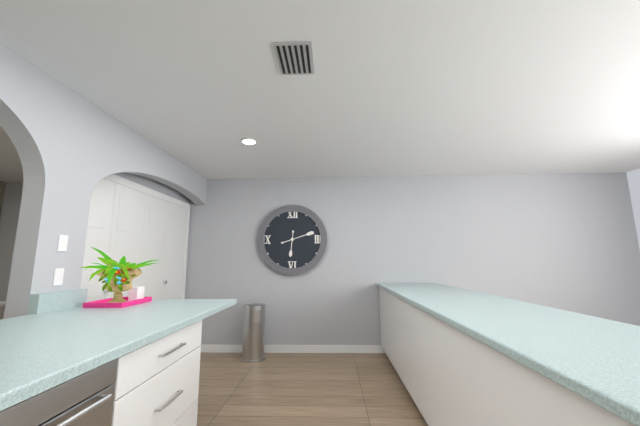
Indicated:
6 h 12 min
